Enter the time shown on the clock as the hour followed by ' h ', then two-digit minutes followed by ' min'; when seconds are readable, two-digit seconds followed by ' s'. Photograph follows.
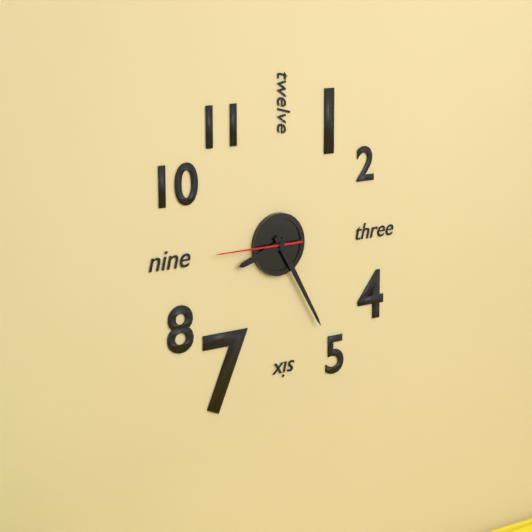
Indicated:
8 h 25 min 45 s
